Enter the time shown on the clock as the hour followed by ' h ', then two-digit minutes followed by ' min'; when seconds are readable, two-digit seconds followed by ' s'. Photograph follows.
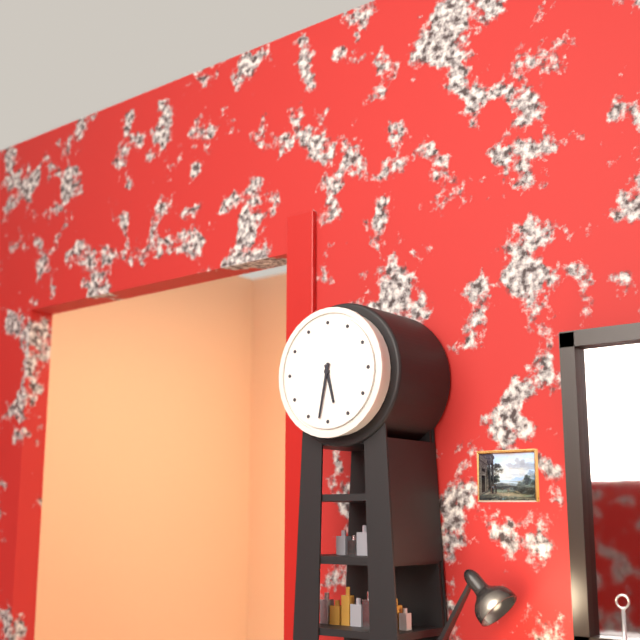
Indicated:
5 h 32 min
